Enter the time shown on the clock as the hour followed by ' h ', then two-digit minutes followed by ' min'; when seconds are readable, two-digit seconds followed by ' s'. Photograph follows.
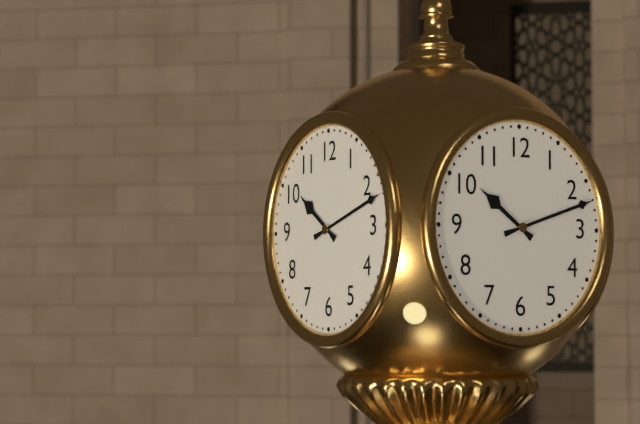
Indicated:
10 h 12 min
